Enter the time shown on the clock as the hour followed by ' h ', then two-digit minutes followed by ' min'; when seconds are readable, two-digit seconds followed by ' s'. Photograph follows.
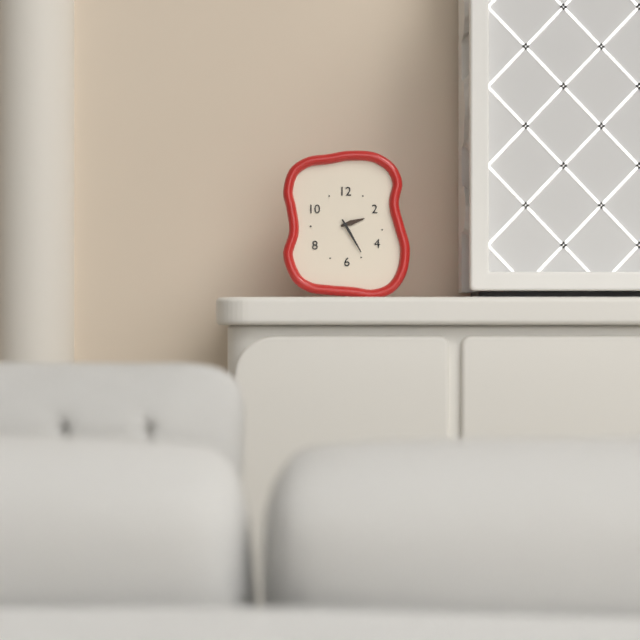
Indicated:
2 h 25 min
